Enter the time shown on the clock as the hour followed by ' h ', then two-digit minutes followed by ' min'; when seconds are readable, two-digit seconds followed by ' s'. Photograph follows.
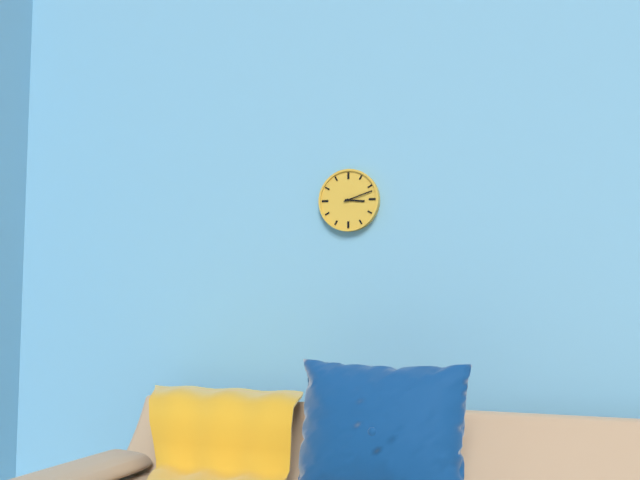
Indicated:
3 h 12 min
